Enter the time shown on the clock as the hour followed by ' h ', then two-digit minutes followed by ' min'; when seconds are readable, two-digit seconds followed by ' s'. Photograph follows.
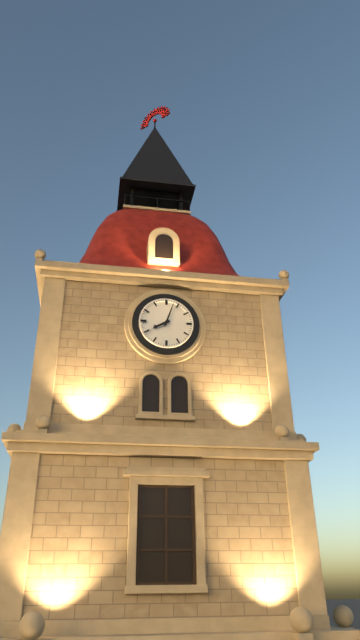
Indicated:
8 h 03 min
